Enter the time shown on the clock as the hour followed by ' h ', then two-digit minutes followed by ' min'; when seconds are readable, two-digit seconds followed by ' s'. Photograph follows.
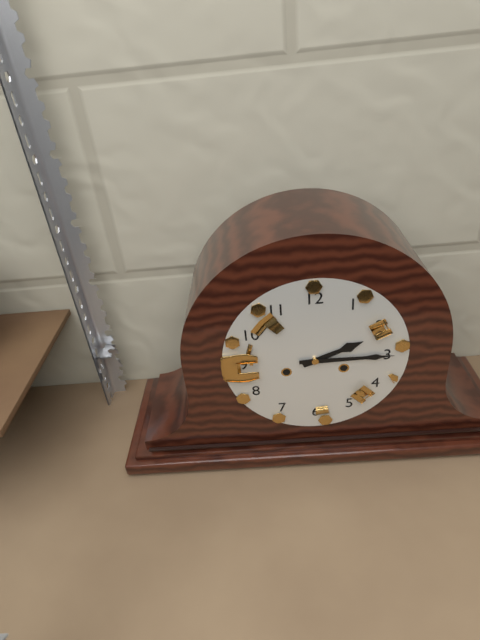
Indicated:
2 h 15 min
